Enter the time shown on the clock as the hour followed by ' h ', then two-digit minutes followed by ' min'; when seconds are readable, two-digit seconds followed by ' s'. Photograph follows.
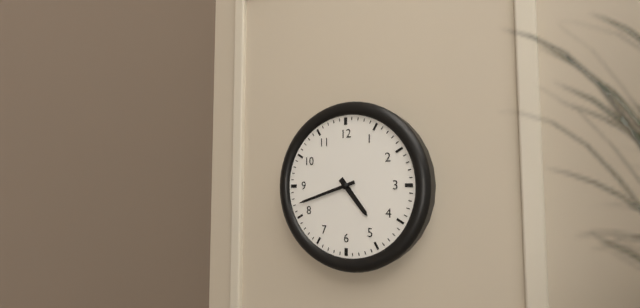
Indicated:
4 h 42 min
